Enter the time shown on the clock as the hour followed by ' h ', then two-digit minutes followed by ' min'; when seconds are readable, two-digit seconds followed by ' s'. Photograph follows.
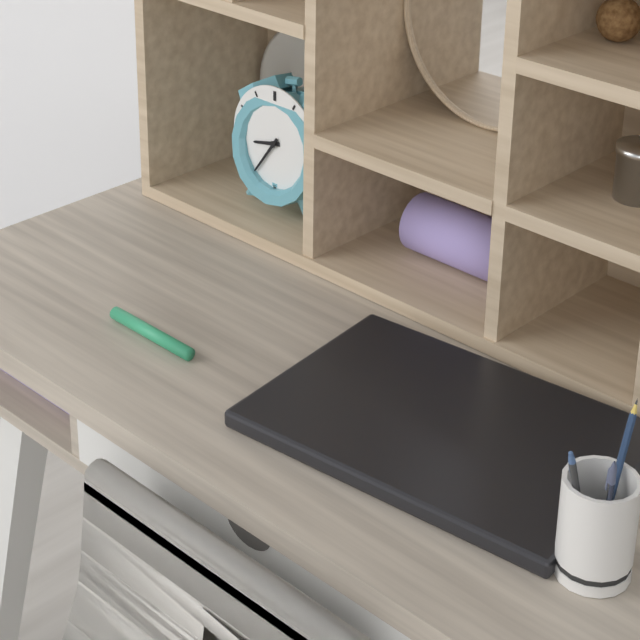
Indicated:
8 h 36 min
